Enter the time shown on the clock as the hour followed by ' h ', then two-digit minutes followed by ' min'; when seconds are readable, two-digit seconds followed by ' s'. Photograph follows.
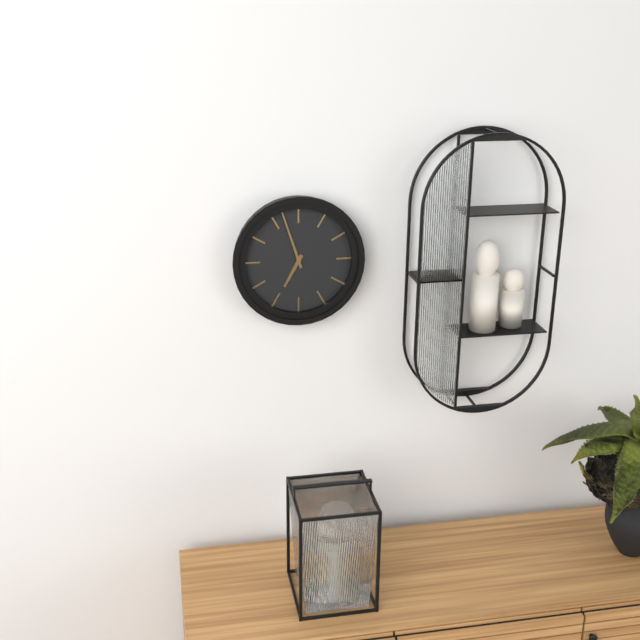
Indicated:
6 h 57 min
